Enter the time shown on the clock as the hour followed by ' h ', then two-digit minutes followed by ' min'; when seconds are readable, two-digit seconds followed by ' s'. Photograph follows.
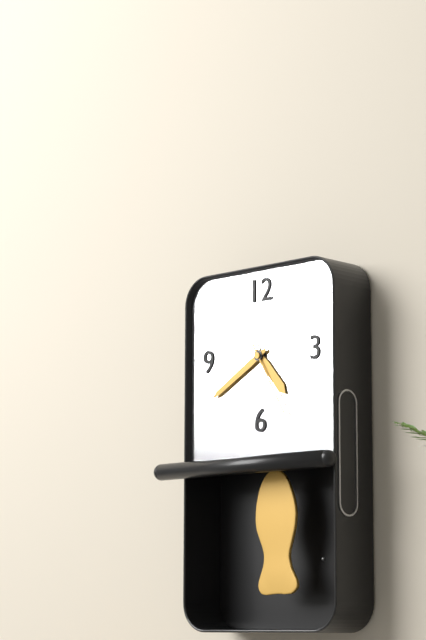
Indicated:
4 h 40 min 25 s
